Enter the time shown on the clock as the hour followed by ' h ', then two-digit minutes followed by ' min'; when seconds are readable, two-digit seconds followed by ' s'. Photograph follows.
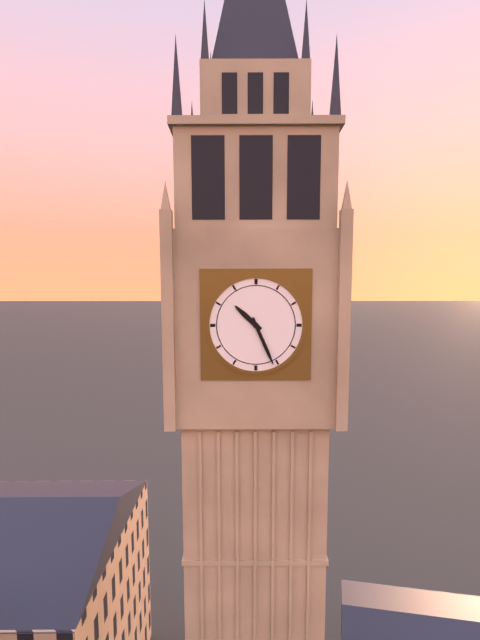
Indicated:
10 h 26 min
